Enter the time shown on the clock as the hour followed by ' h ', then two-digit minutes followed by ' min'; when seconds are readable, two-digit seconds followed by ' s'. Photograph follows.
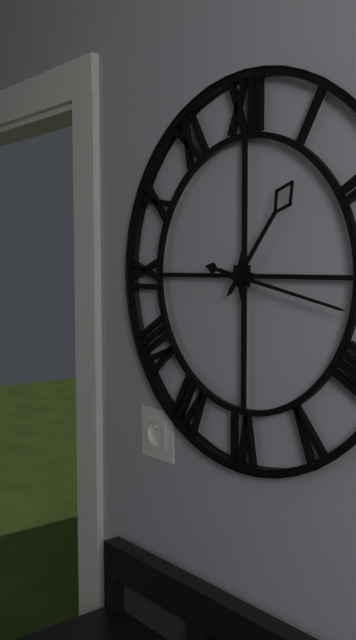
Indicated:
1 h 17 min
